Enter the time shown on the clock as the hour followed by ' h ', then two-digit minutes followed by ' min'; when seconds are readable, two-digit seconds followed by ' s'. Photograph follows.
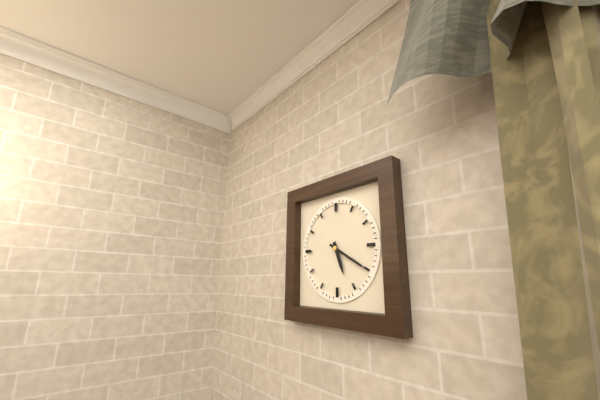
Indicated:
5 h 20 min
